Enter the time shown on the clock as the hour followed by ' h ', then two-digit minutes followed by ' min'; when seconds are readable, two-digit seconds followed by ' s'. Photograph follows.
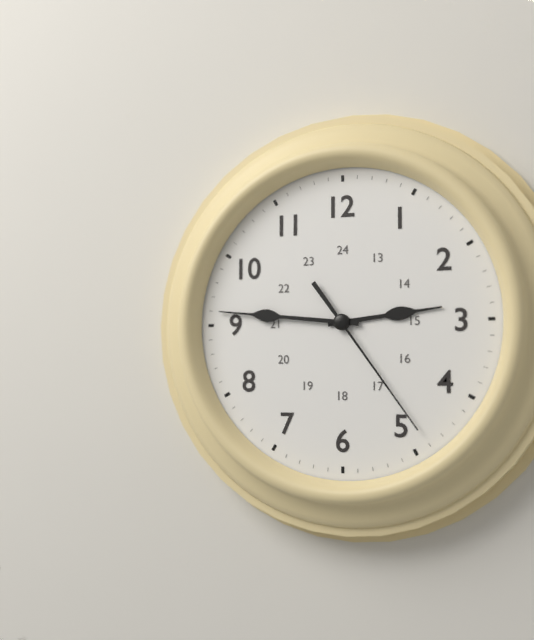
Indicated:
2 h 46 min 24 s
